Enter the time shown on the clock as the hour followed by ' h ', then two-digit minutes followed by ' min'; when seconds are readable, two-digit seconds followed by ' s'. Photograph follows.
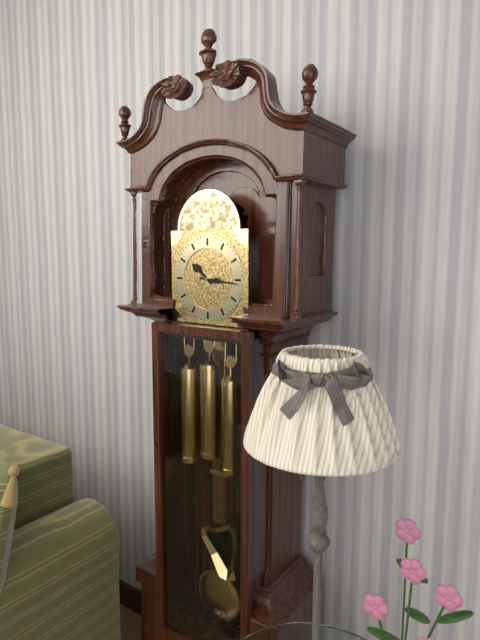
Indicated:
10 h 16 min
